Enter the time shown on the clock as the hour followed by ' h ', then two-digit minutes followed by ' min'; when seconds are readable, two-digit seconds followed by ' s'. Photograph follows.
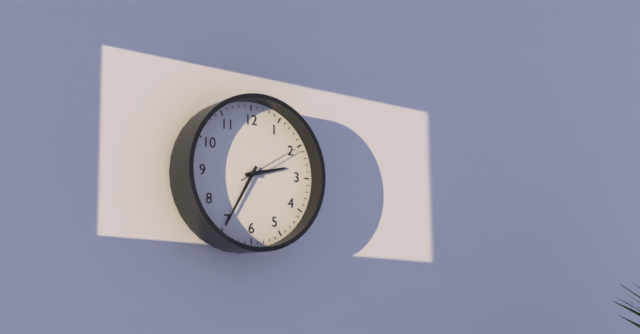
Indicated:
2 h 35 min 10 s
